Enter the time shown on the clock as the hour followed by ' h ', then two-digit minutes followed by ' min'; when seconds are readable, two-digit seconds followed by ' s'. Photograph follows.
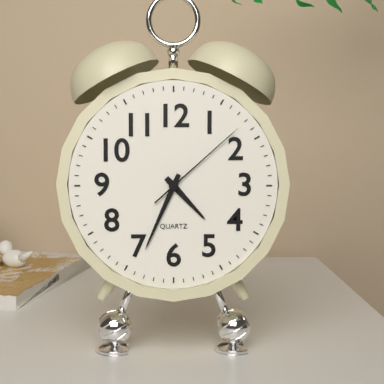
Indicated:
4 h 34 min 08 s
